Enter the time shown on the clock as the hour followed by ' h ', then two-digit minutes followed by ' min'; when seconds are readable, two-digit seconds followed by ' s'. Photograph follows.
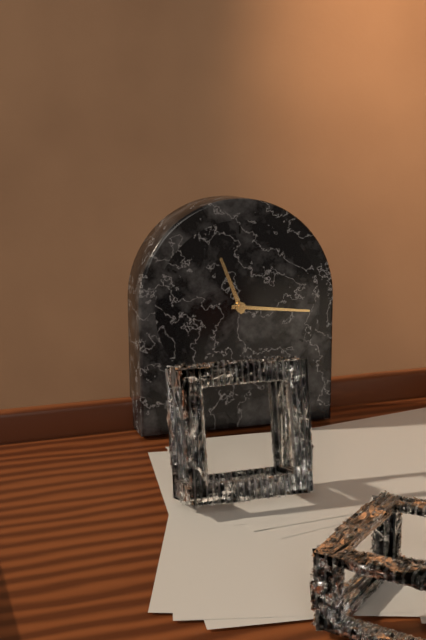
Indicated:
11 h 16 min
